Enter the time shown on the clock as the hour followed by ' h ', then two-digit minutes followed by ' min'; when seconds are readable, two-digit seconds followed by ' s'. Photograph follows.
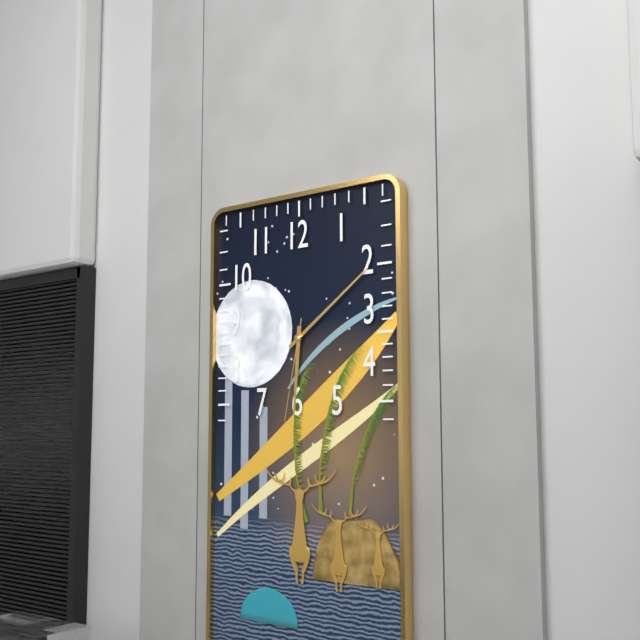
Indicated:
6 h 09 min 32 s
